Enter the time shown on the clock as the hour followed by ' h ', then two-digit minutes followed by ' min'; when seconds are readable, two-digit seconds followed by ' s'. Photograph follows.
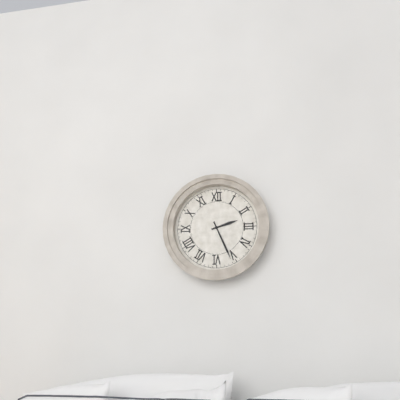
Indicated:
2 h 26 min
